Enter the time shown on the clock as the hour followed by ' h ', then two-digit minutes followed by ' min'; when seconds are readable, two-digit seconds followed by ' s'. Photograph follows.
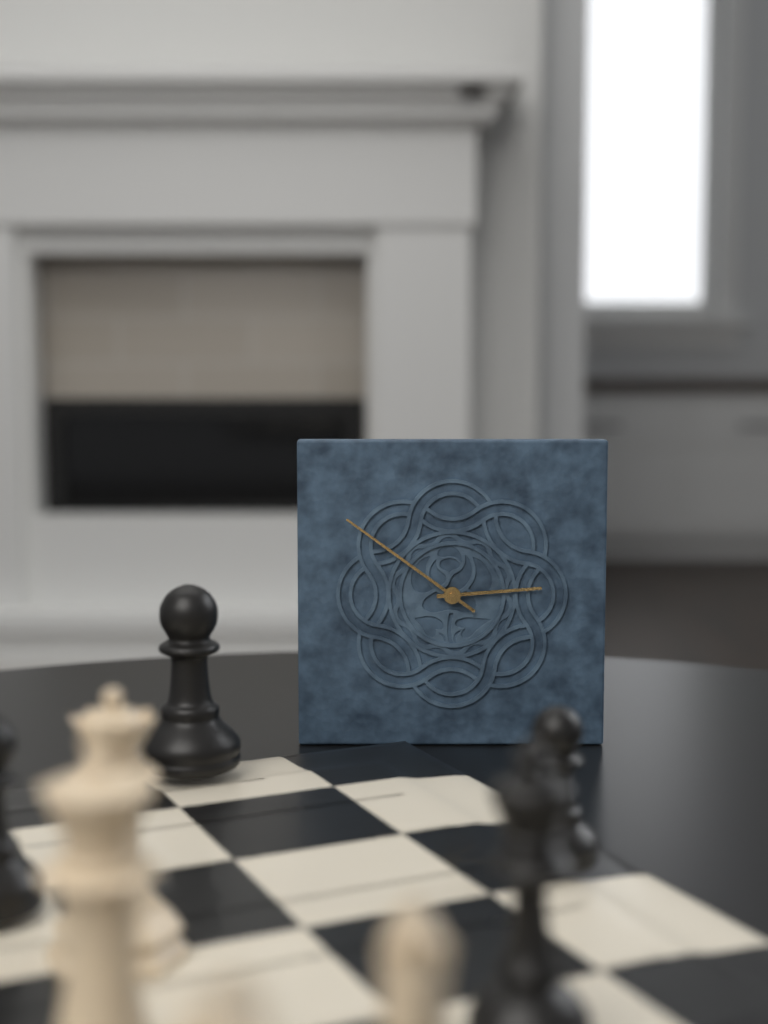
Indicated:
2 h 51 min
